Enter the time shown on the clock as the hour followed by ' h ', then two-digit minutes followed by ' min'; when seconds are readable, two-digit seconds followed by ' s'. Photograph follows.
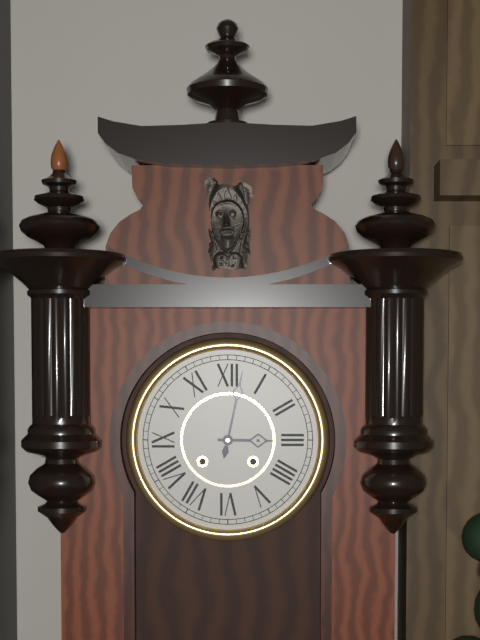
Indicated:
3 h 02 min
